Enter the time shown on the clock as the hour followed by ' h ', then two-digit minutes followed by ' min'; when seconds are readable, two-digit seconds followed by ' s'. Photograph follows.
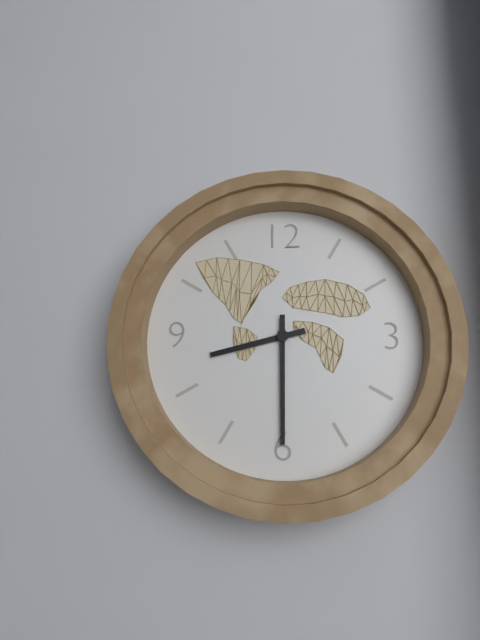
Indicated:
8 h 30 min
